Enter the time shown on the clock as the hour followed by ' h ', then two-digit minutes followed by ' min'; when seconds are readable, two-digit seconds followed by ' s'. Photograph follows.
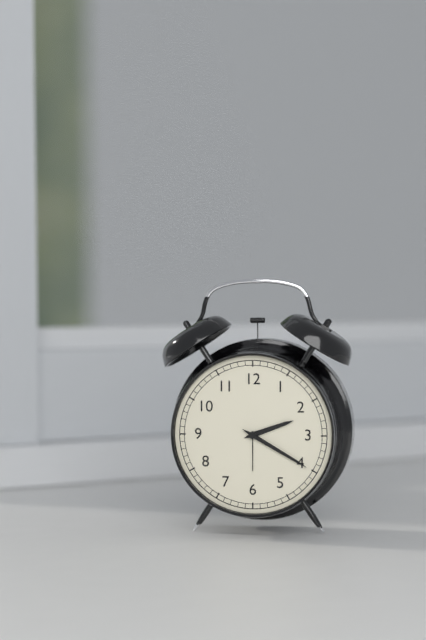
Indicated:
2 h 20 min
